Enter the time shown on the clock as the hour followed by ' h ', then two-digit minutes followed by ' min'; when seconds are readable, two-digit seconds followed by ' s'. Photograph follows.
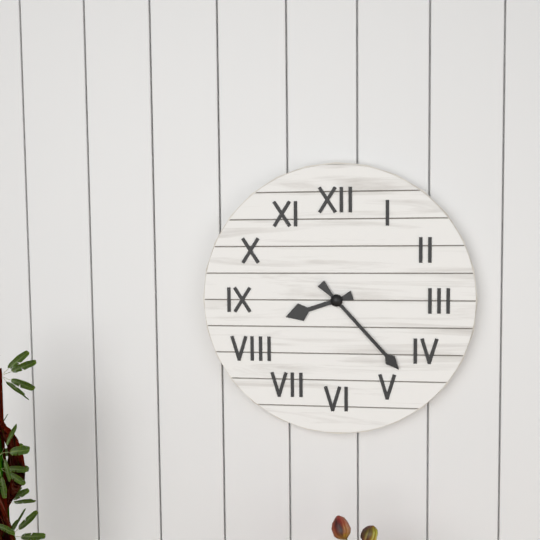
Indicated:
8 h 23 min
